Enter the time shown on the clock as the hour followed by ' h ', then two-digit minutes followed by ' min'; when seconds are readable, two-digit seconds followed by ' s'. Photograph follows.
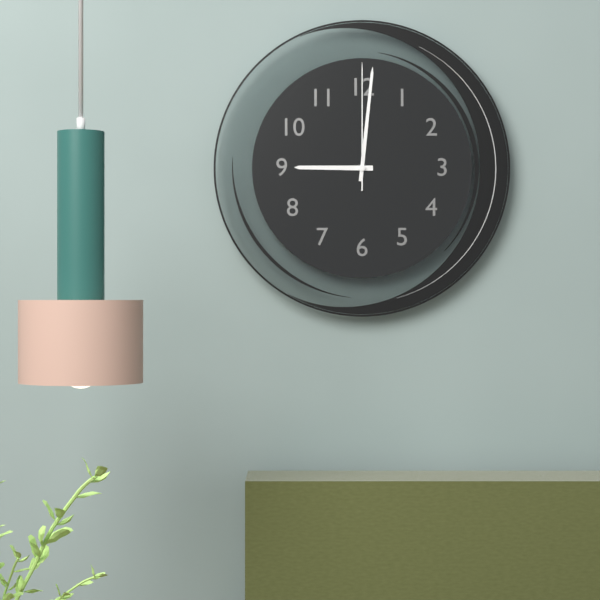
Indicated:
9 h 01 min 00 s
